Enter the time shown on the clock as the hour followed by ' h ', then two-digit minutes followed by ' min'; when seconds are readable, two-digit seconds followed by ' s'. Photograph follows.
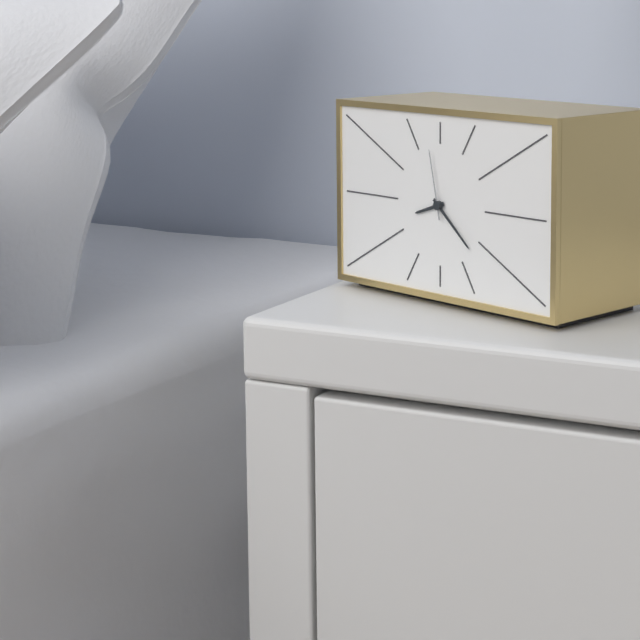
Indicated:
8 h 22 min 58 s
